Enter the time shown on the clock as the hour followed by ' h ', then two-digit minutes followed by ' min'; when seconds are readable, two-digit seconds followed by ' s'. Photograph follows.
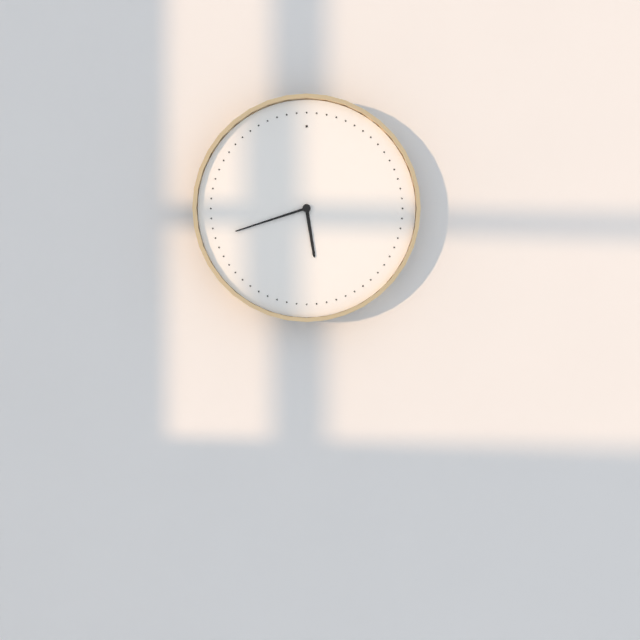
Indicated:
5 h 42 min
